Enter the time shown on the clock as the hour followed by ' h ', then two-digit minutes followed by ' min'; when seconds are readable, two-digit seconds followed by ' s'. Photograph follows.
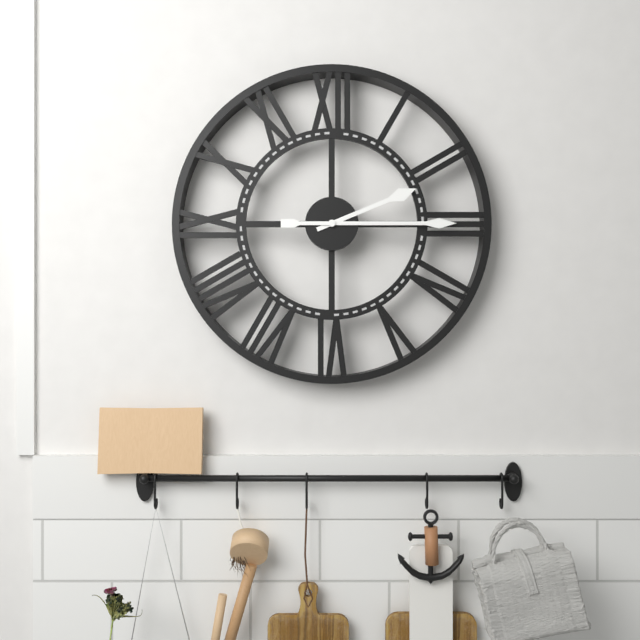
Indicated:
2 h 15 min
